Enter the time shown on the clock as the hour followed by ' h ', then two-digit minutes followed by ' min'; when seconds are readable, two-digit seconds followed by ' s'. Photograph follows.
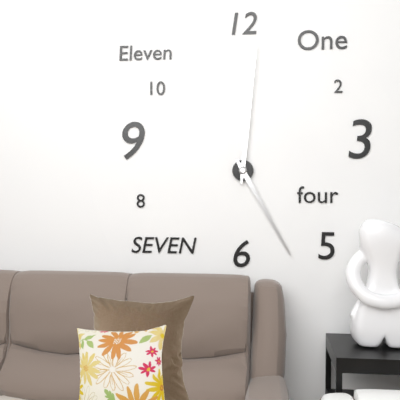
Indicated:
5 h 01 min
